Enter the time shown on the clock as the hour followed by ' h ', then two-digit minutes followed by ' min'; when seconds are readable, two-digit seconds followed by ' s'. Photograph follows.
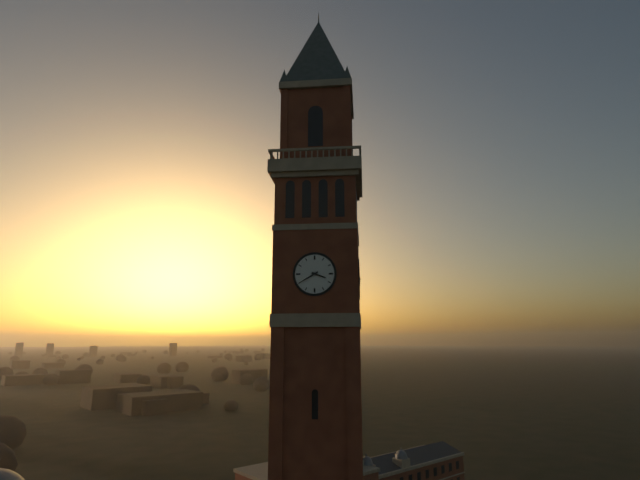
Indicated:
3 h 40 min
